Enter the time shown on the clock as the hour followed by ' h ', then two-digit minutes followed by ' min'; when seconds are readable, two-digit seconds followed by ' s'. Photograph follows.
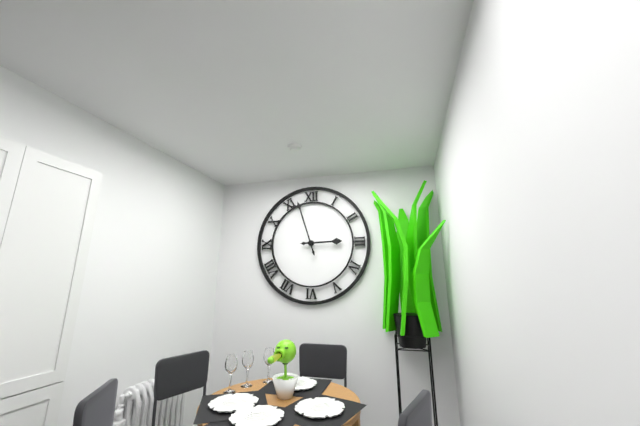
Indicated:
2 h 57 min
